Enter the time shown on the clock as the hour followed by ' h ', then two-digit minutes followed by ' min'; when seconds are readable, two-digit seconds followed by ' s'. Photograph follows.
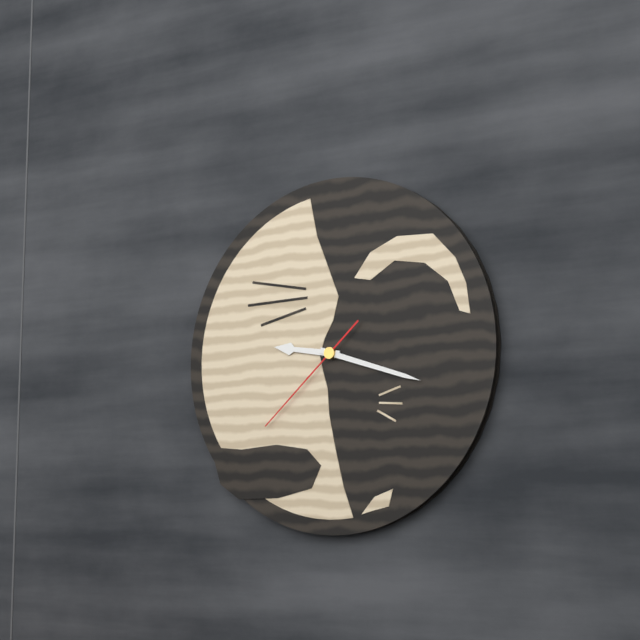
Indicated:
9 h 18 min 38 s
